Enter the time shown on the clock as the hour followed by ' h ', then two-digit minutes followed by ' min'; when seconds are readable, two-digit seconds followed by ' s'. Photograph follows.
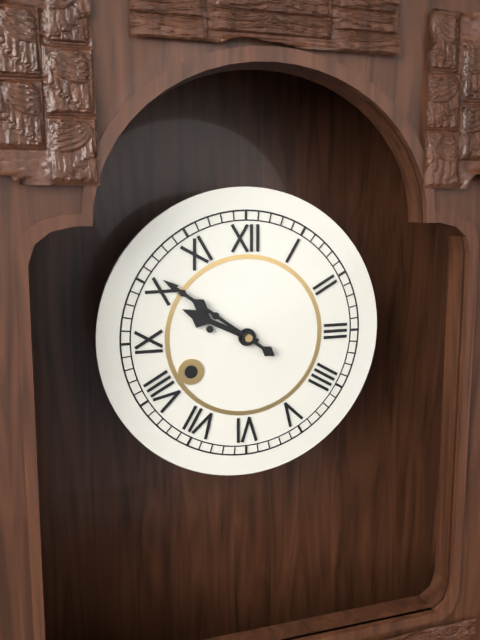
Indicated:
9 h 51 min
